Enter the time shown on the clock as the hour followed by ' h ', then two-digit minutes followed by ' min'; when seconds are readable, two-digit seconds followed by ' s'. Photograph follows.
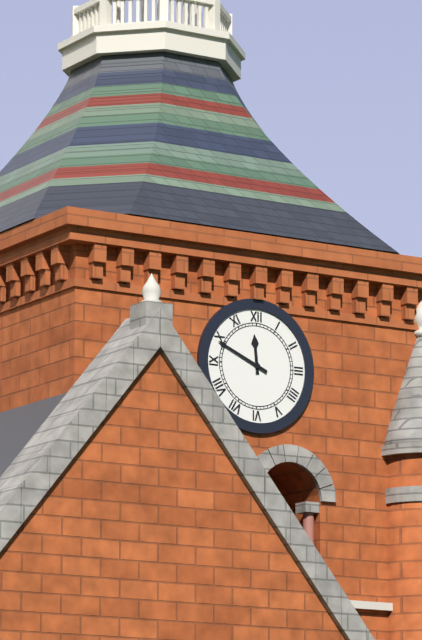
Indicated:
11 h 49 min
